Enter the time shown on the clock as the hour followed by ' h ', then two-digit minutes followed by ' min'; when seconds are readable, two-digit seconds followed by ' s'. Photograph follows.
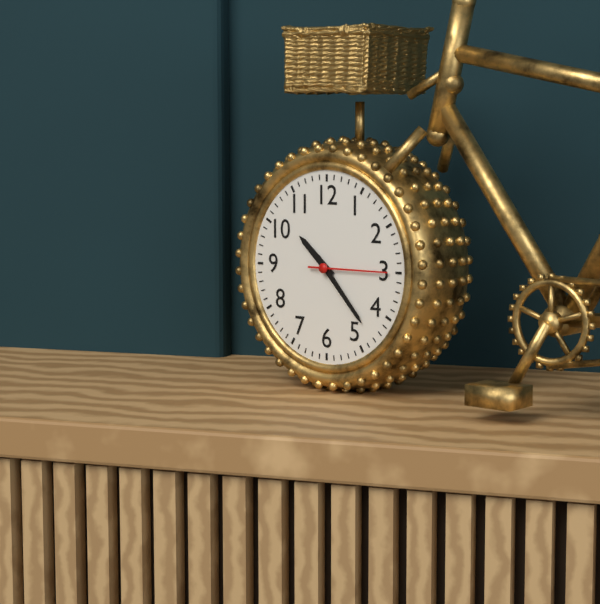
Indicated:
10 h 23 min 15 s
